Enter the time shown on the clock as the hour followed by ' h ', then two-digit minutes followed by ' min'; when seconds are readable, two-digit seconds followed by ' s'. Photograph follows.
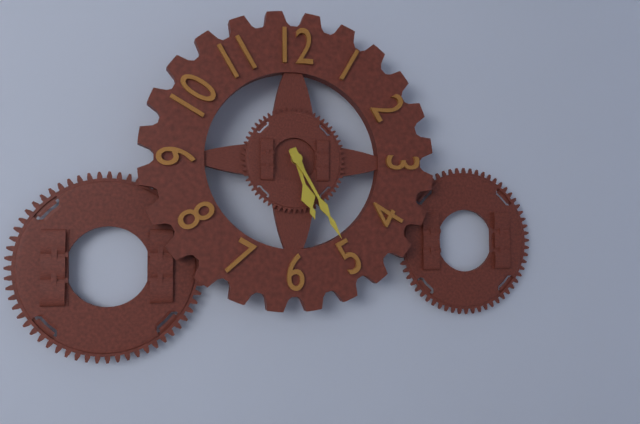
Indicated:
5 h 25 min
